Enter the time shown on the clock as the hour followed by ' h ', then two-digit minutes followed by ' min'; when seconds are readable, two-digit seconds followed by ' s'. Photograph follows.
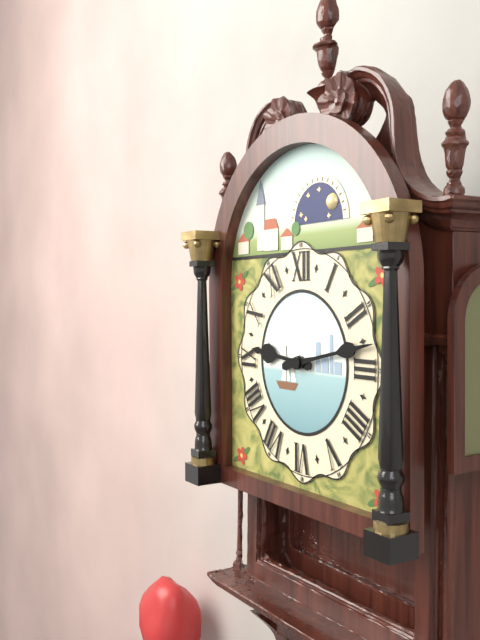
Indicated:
9 h 13 min
